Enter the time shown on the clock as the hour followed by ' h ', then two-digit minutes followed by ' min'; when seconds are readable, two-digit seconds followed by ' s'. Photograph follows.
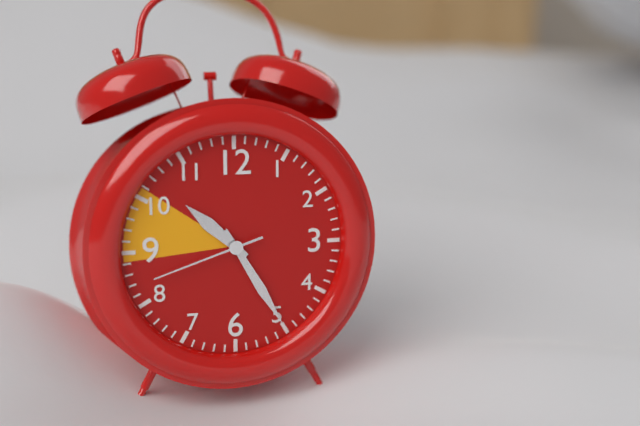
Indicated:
10 h 25 min 42 s
